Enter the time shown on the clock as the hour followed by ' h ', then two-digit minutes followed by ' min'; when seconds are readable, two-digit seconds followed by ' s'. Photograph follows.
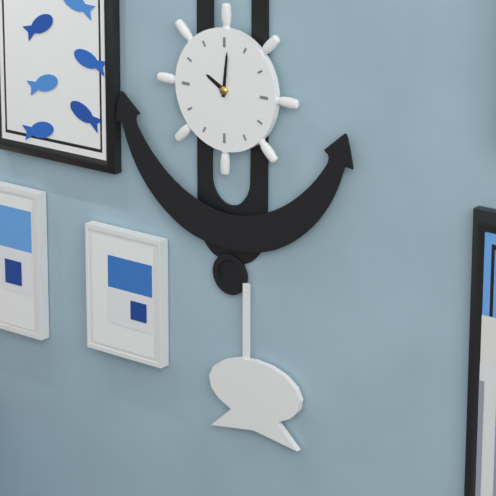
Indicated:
10 h 01 min
